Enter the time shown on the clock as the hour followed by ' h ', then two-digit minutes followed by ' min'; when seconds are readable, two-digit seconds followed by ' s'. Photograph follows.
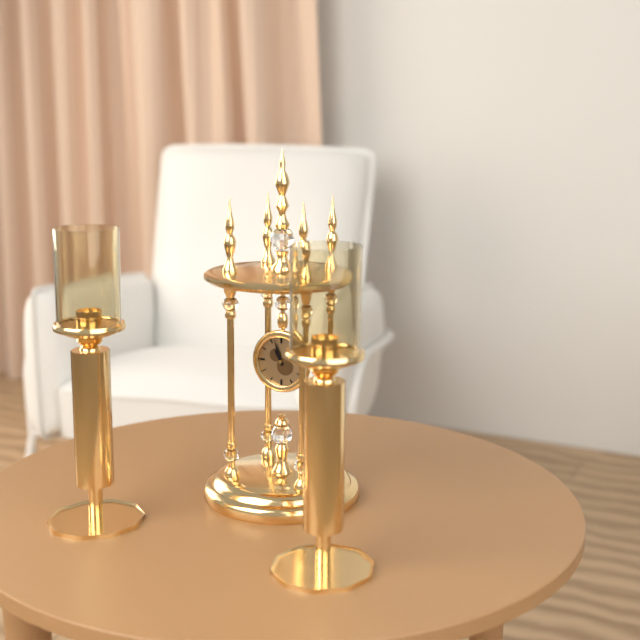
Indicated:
10 h 57 min
